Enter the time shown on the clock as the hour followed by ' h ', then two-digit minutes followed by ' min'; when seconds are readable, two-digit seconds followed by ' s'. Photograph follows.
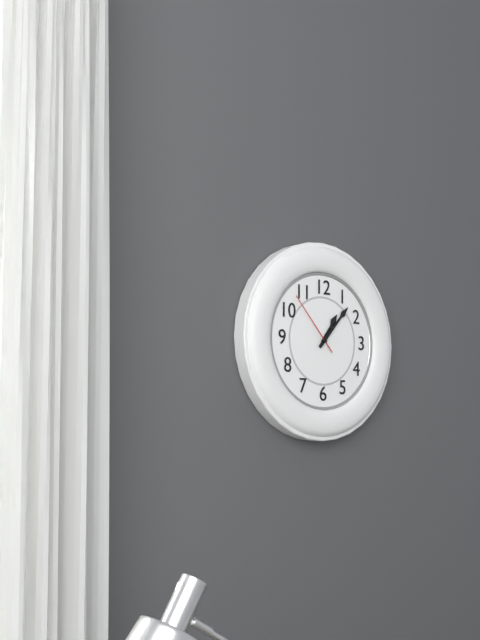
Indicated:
1 h 07 min 53 s
